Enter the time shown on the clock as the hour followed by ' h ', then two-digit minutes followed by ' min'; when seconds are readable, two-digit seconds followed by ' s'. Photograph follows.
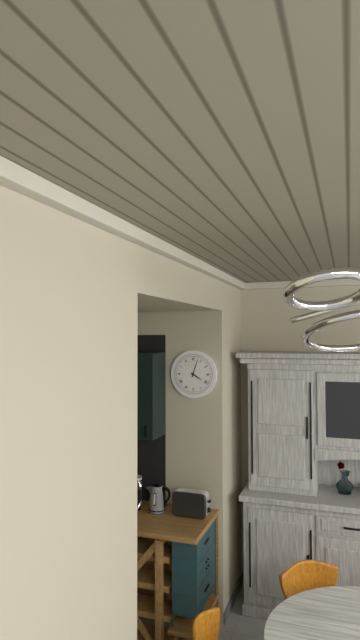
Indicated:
4 h 03 min
